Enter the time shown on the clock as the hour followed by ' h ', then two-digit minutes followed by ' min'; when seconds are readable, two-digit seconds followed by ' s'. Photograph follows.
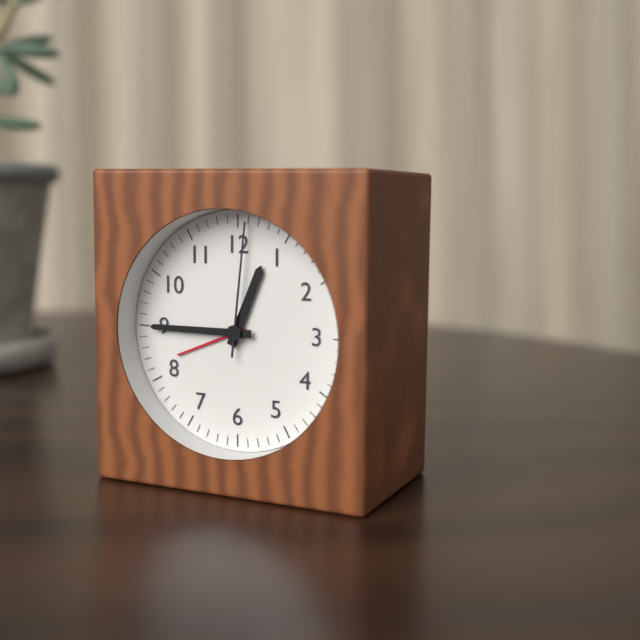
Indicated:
12 h 45 min 01 s
